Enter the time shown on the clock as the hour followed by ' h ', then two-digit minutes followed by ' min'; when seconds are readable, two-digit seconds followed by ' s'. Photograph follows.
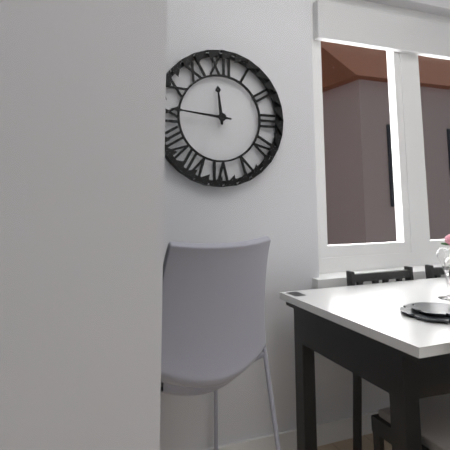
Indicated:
11 h 46 min
